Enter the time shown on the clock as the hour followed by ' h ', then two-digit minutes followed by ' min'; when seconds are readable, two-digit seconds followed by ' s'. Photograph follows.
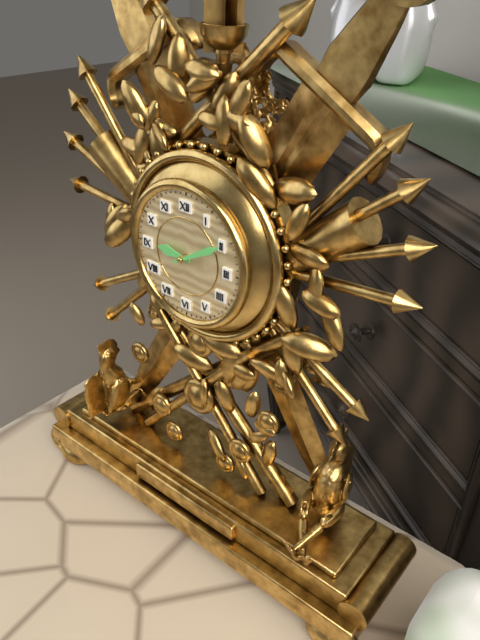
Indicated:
9 h 10 min
